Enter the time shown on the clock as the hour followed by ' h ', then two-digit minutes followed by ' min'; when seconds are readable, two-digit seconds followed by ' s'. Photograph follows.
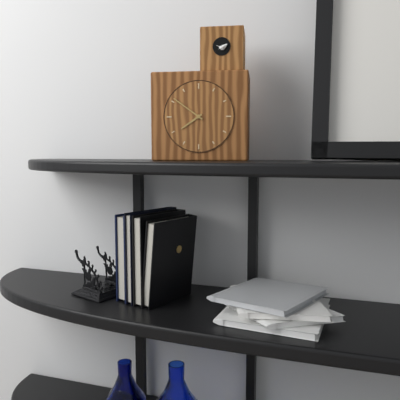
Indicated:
7 h 51 min
